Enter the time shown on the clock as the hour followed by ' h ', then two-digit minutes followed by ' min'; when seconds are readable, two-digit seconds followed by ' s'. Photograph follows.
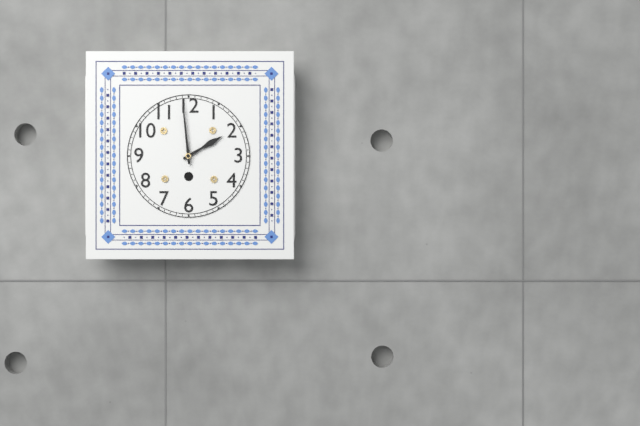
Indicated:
1 h 59 min
